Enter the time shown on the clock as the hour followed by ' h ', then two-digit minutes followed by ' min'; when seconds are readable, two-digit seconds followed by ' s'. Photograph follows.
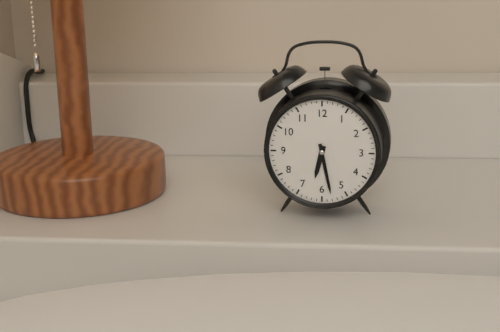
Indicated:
6 h 28 min
